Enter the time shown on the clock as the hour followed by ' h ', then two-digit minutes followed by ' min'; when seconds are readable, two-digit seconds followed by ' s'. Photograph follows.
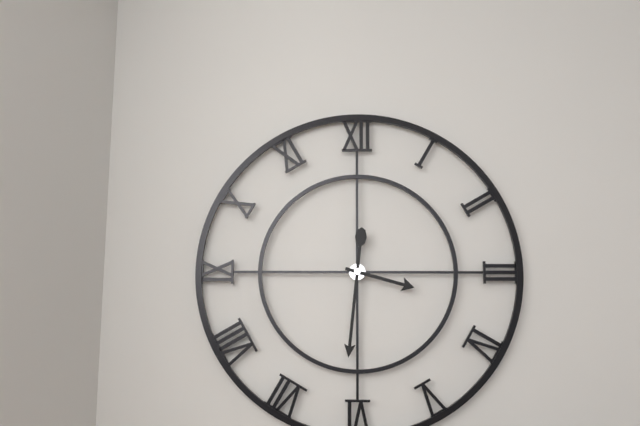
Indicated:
3 h 31 min
